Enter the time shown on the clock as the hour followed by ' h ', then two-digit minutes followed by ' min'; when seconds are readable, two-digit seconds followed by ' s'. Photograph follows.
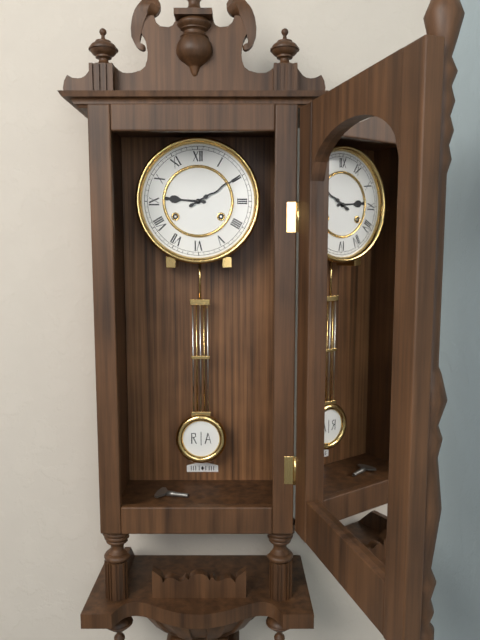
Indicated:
9 h 10 min
